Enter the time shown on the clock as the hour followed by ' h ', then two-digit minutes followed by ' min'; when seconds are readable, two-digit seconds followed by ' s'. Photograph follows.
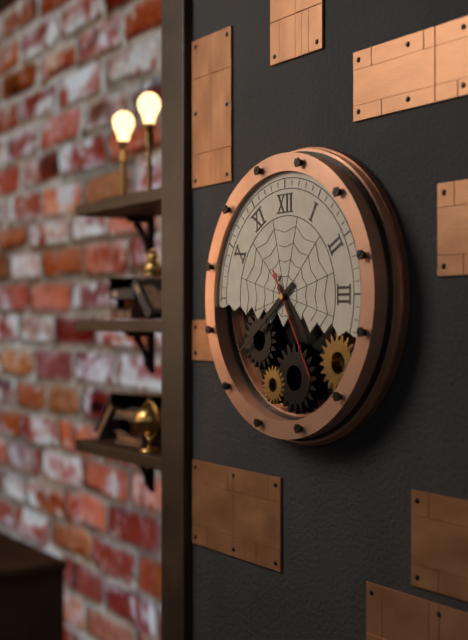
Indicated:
4 h 39 min 25 s
